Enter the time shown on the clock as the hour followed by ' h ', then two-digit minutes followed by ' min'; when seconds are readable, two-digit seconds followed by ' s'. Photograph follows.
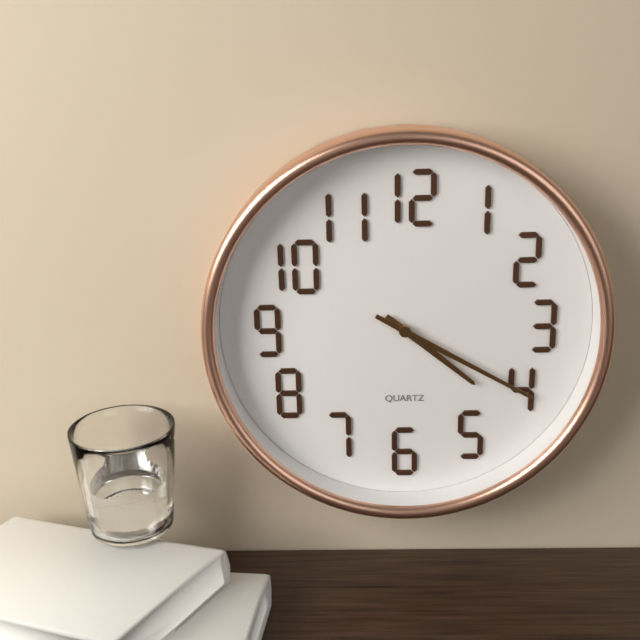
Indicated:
4 h 20 min
